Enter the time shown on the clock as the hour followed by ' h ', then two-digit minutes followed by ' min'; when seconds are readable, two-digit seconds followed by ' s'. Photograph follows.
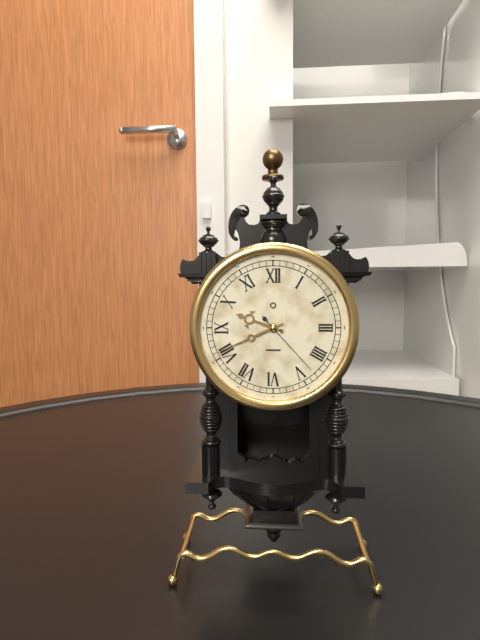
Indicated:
9 h 41 min 23 s
